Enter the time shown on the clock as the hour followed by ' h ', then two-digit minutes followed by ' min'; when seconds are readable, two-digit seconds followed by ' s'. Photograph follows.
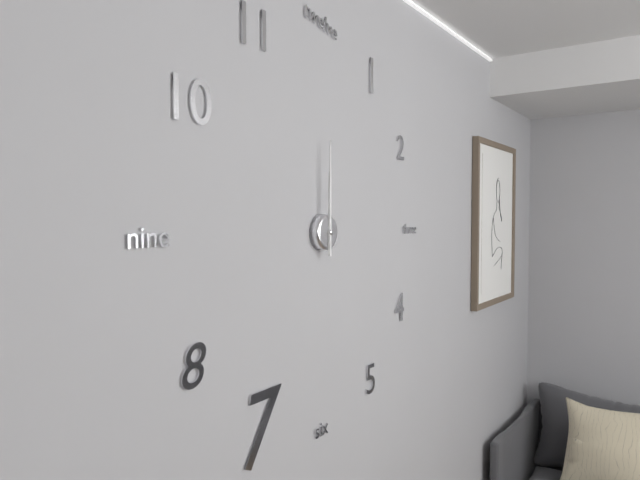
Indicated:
12 h 00 min
